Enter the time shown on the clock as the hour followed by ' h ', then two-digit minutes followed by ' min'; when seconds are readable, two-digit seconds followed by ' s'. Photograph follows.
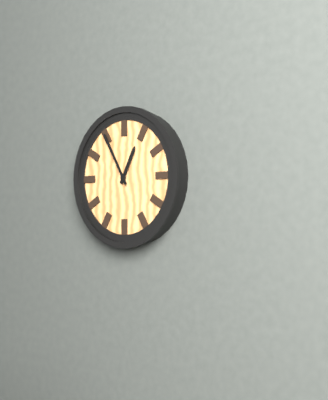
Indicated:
12 h 55 min
